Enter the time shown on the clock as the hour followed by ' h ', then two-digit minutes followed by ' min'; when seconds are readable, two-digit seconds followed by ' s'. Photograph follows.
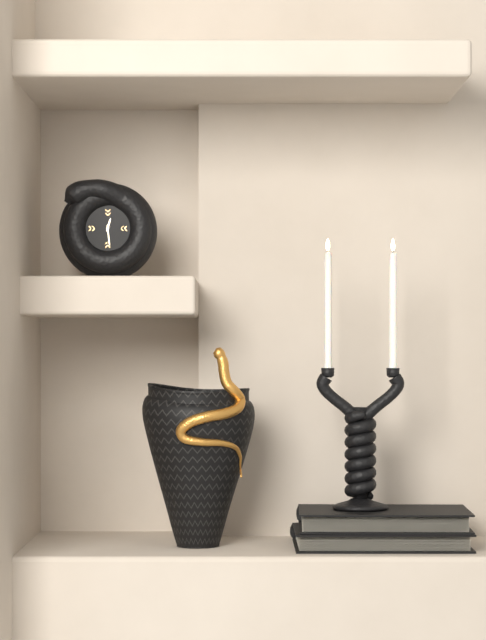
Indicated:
12 h 29 min
